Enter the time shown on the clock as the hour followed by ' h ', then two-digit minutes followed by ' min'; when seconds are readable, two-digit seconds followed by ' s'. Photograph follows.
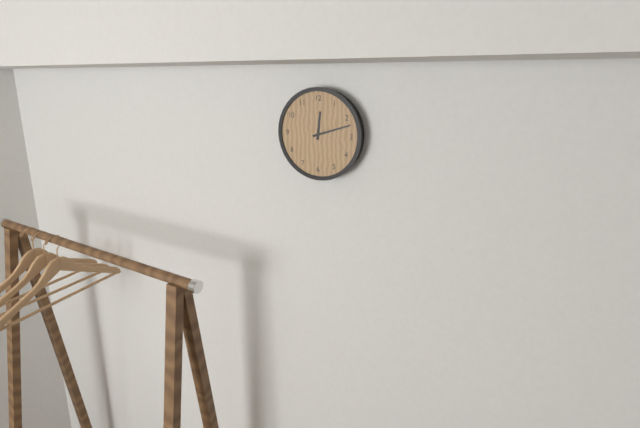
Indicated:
12 h 12 min
